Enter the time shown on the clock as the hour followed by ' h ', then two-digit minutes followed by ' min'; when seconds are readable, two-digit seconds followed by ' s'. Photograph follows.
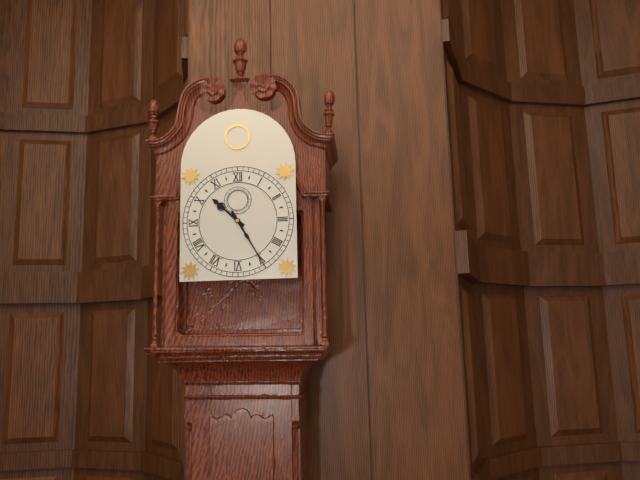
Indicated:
10 h 25 min
